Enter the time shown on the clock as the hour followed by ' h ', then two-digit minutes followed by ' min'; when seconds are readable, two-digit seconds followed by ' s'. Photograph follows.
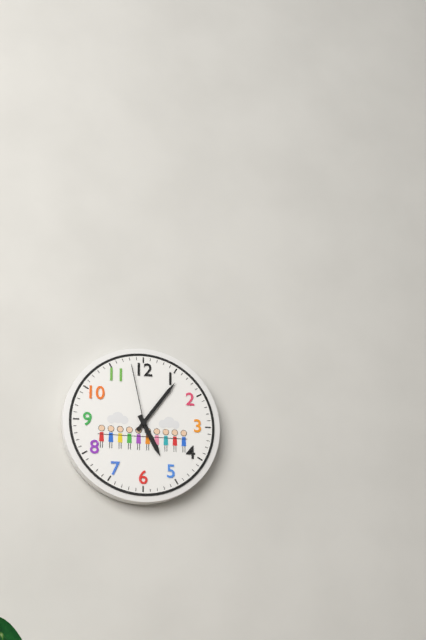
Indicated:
5 h 06 min 58 s
